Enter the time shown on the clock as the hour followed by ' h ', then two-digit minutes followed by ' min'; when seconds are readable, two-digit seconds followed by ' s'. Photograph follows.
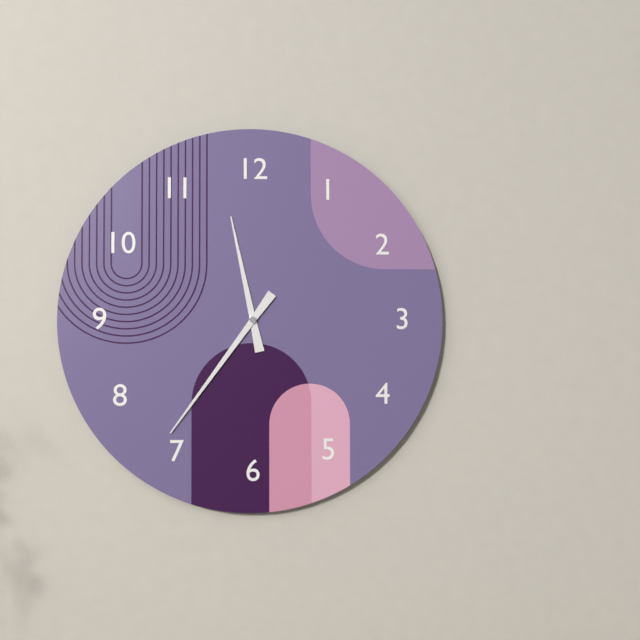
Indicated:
11 h 36 min
